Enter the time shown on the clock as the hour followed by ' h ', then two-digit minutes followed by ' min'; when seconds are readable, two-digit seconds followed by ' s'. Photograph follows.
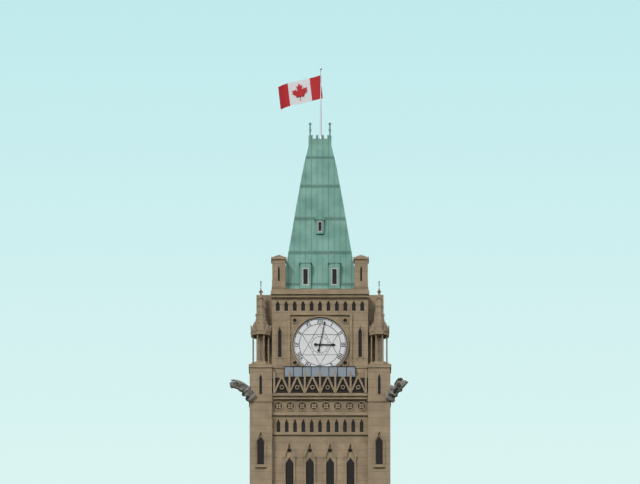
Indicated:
3 h 02 min
